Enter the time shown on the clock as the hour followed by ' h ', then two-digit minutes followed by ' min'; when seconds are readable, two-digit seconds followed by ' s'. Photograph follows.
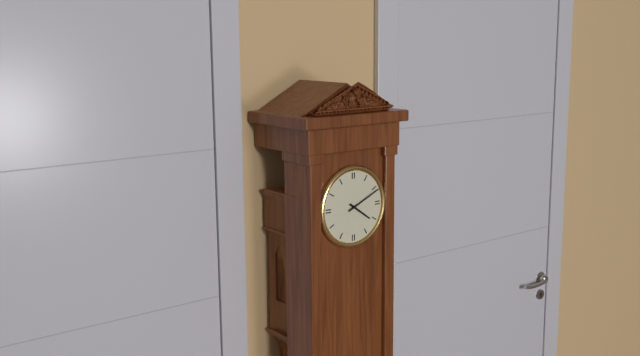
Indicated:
4 h 11 min
